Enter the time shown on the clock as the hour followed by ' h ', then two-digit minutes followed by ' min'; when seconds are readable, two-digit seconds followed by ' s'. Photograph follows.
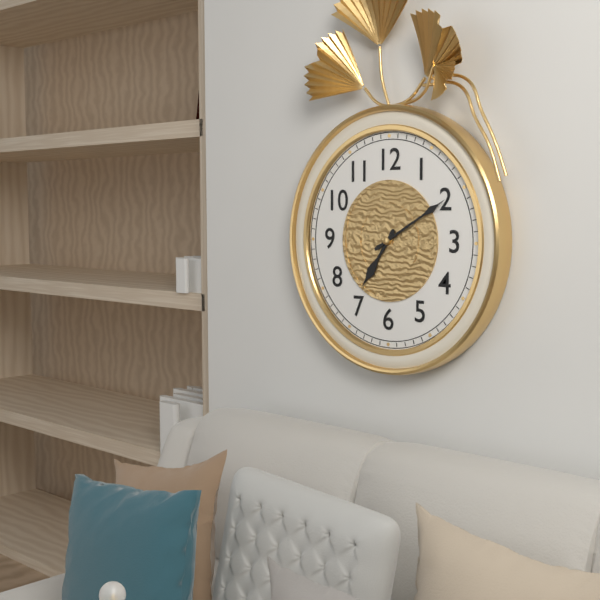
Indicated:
7 h 10 min
